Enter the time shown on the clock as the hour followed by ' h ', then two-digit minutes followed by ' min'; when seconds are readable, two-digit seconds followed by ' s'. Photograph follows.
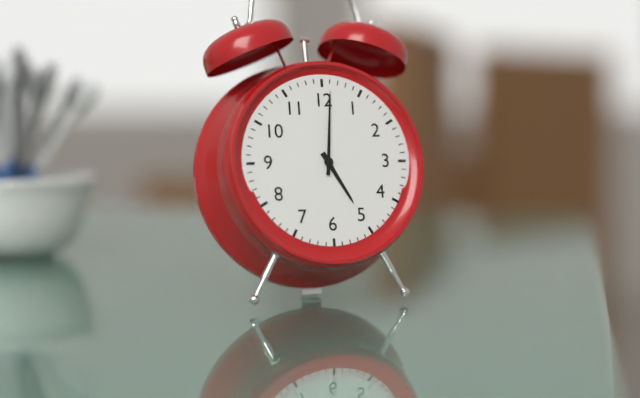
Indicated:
5 h 01 min
